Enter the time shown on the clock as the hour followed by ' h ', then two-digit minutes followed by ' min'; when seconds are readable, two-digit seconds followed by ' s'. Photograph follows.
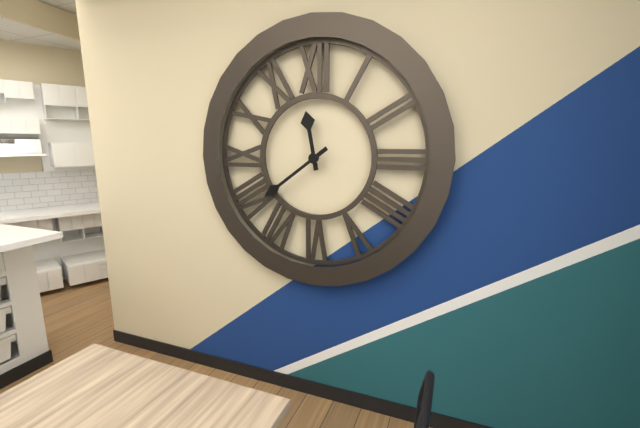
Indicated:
11 h 39 min
